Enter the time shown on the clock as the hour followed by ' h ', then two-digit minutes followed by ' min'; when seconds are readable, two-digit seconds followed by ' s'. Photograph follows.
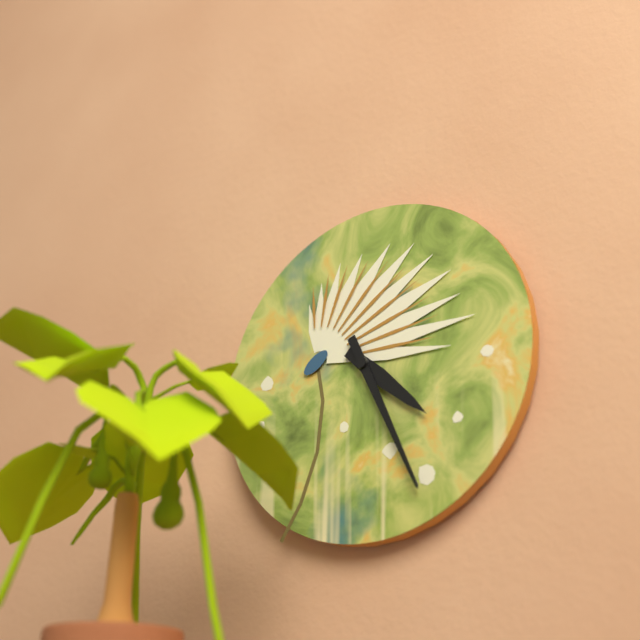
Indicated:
4 h 26 min
